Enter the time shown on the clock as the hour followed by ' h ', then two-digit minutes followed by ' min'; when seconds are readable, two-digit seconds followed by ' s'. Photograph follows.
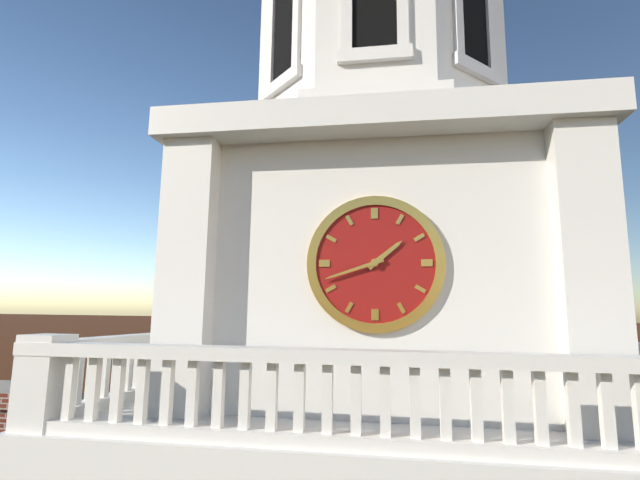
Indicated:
1 h 42 min
